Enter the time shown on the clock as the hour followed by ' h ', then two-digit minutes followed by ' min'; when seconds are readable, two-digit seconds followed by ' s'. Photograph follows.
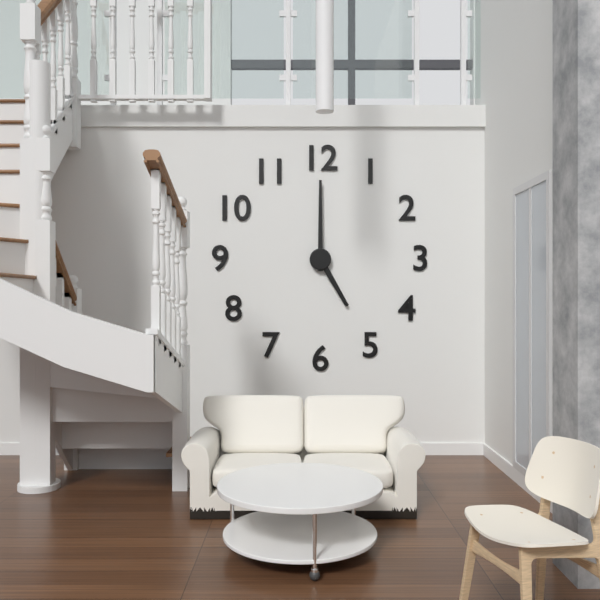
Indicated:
5 h 00 min
